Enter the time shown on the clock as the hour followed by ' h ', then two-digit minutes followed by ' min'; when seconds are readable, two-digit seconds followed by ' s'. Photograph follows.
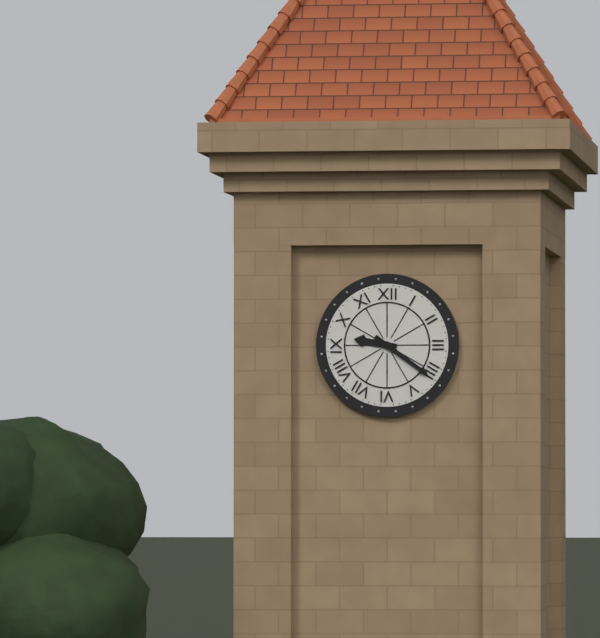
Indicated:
9 h 21 min
